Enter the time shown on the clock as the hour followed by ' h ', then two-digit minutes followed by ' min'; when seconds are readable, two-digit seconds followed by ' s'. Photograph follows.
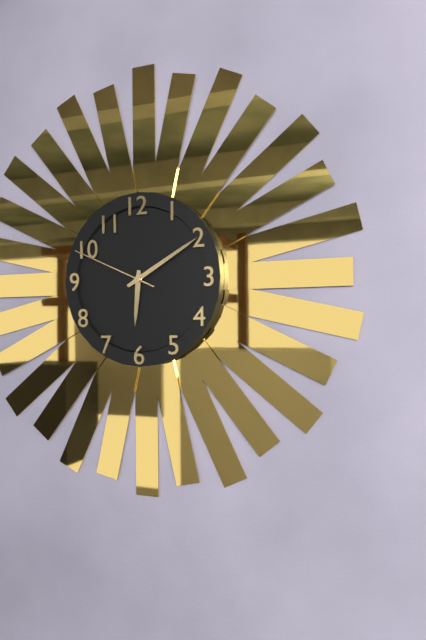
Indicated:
6 h 10 min 49 s
